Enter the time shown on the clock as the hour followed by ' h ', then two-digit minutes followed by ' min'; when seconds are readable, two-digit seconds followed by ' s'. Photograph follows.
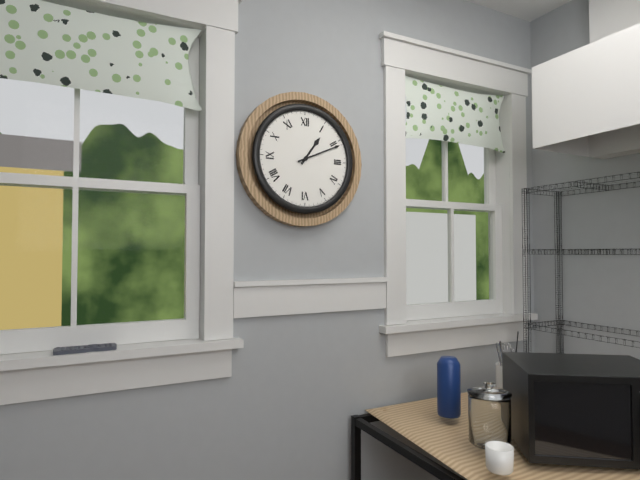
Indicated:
1 h 11 min
